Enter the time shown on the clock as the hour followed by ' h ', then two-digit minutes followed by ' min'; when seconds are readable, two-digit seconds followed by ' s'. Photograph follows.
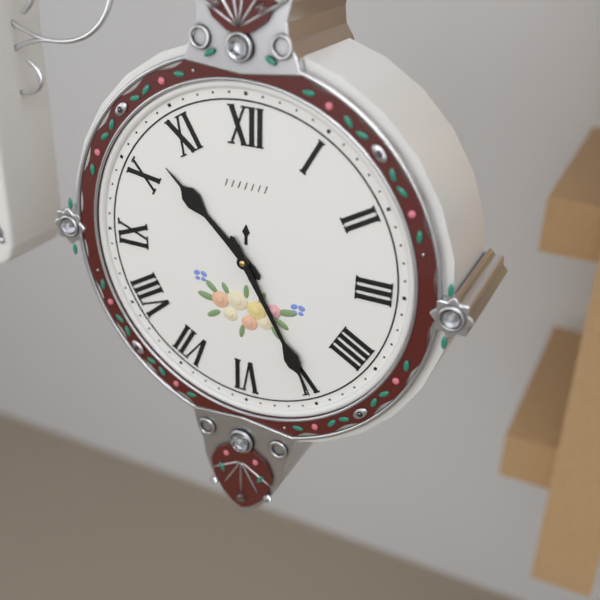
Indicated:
10 h 25 min
